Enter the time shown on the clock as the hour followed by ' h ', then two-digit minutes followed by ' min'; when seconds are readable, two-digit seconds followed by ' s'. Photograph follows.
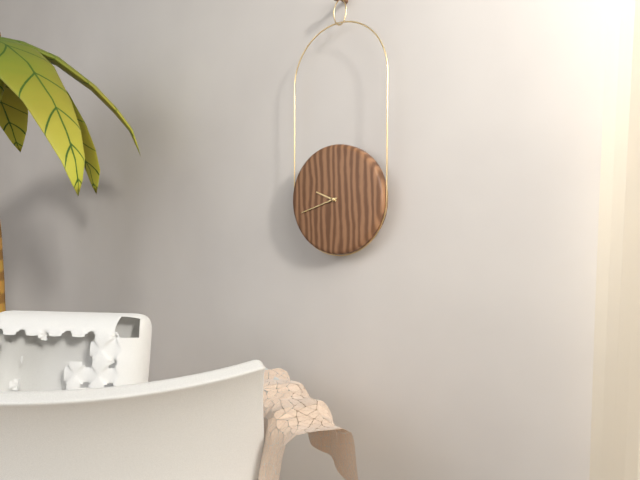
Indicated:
9 h 42 min
